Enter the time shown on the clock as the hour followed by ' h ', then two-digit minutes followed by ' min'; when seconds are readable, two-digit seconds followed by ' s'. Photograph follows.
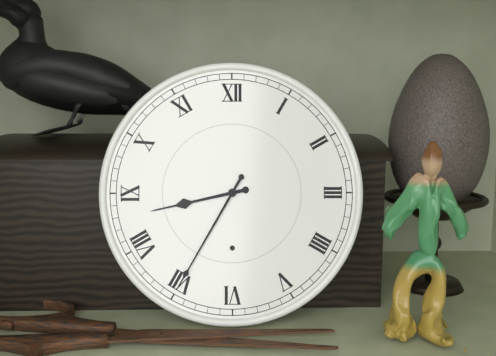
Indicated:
8 h 35 min
